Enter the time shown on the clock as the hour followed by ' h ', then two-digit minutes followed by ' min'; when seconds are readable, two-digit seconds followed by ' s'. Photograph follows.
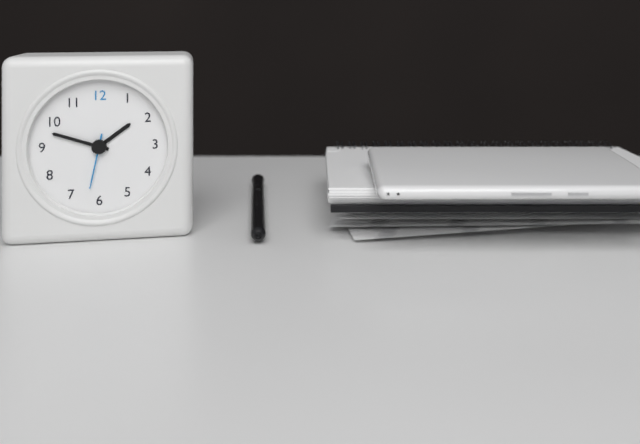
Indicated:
1 h 48 min 32 s
